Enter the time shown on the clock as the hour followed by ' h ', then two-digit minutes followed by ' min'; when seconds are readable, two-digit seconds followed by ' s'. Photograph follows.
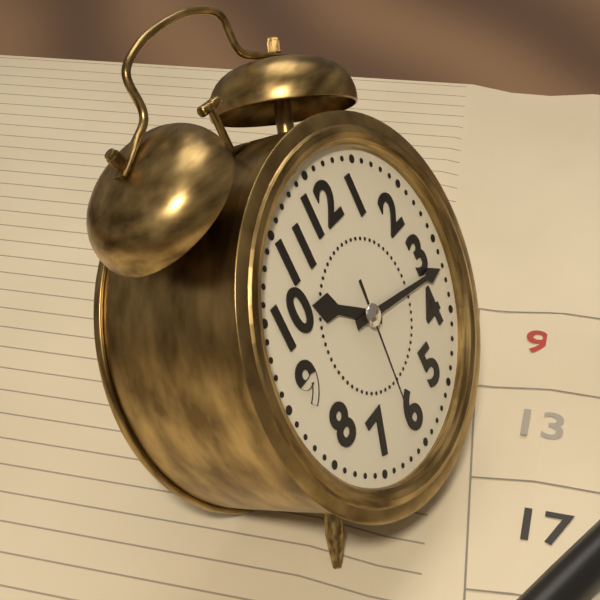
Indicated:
10 h 17 min 31 s
